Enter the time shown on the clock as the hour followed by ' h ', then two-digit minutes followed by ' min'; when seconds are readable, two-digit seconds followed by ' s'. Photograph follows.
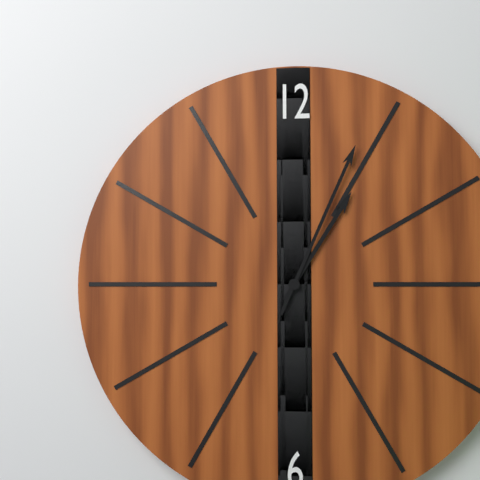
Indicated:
1 h 04 min
